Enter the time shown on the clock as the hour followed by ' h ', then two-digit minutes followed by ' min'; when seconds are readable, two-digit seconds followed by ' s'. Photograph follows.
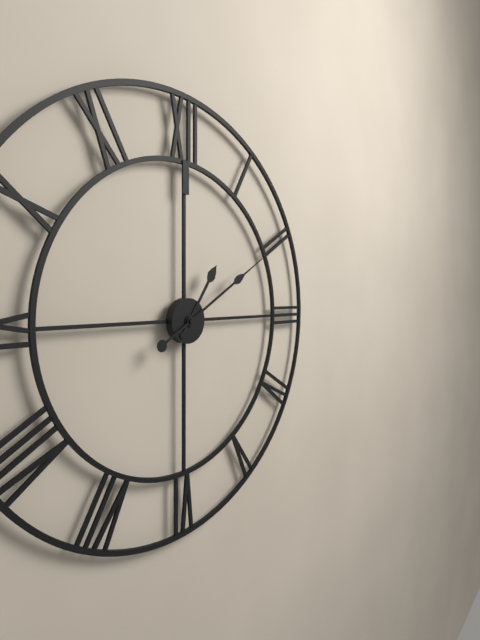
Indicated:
1 h 10 min
